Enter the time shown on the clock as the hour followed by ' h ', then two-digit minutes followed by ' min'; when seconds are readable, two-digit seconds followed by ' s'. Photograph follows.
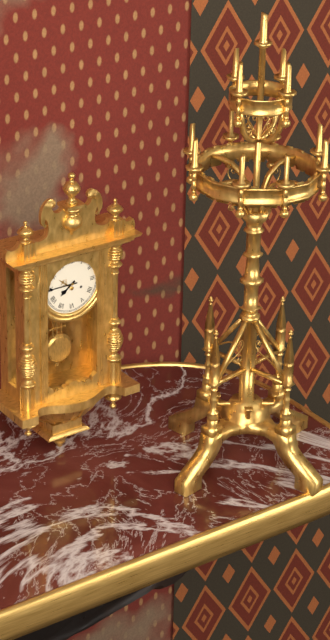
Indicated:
7 h 45 min
